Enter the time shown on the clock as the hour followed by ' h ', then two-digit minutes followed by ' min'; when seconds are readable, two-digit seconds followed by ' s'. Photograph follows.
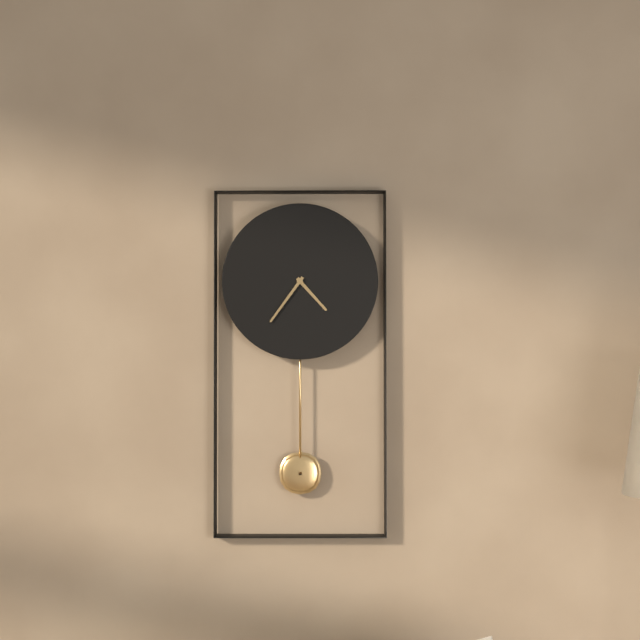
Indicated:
4 h 36 min
